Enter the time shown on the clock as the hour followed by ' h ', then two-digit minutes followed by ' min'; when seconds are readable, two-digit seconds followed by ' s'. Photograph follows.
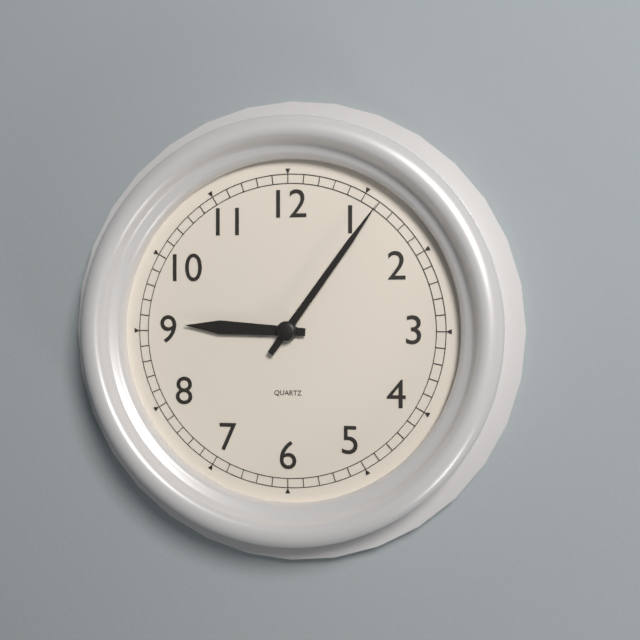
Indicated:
9 h 06 min
